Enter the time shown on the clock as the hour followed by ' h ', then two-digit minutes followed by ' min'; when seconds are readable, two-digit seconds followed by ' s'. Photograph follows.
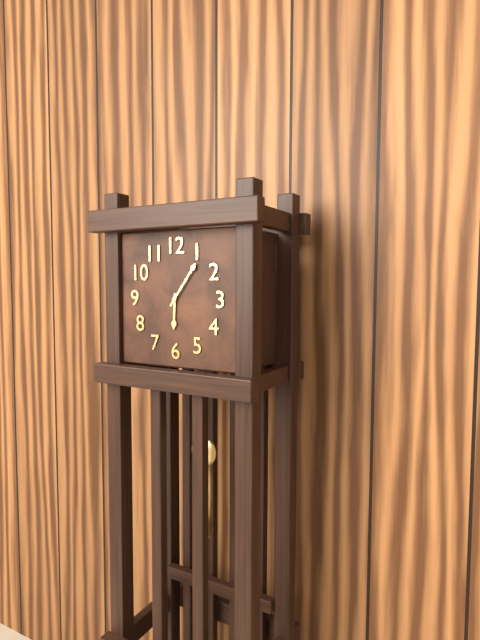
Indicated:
6 h 06 min
